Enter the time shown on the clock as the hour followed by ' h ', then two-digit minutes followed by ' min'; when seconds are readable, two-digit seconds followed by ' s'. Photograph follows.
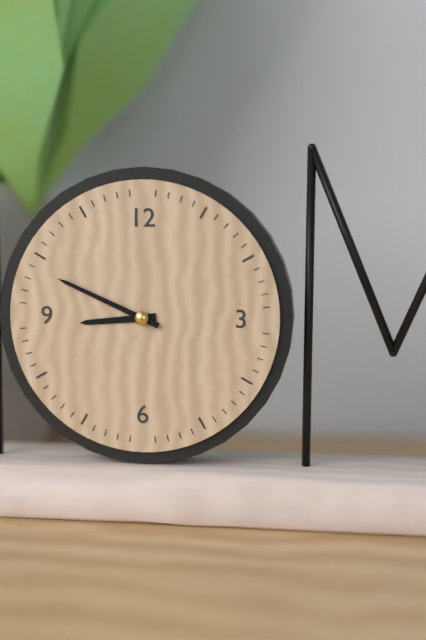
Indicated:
8 h 49 min
